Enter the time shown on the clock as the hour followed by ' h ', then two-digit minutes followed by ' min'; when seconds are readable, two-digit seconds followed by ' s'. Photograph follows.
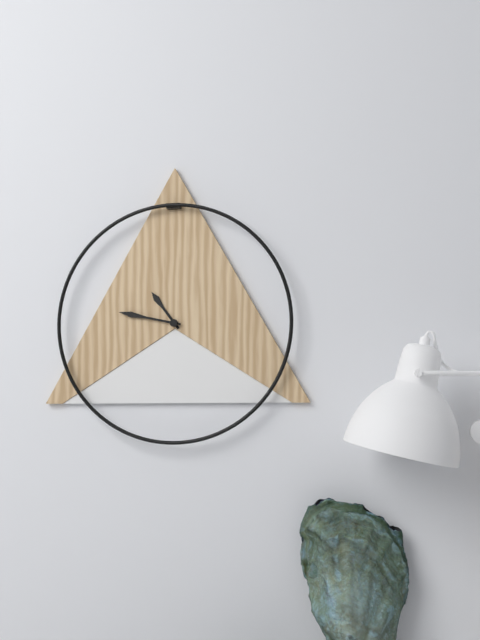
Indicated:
10 h 47 min
